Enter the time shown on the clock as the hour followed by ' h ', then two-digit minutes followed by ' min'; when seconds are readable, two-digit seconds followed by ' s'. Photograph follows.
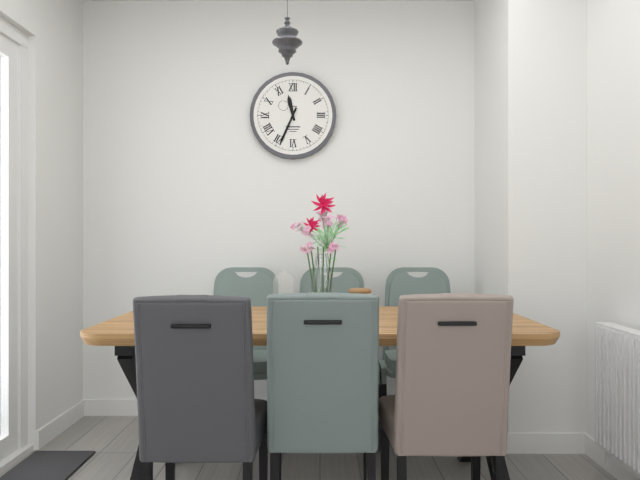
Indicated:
11 h 34 min
